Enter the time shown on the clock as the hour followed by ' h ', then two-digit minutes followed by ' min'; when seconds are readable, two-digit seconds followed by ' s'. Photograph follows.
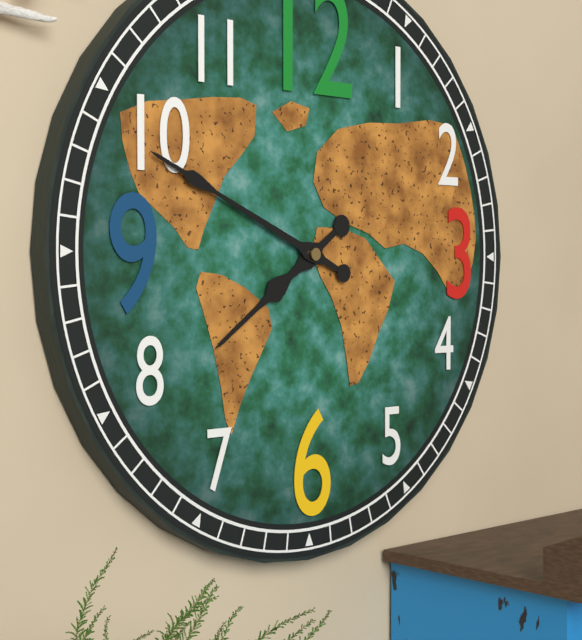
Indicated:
7 h 49 min
